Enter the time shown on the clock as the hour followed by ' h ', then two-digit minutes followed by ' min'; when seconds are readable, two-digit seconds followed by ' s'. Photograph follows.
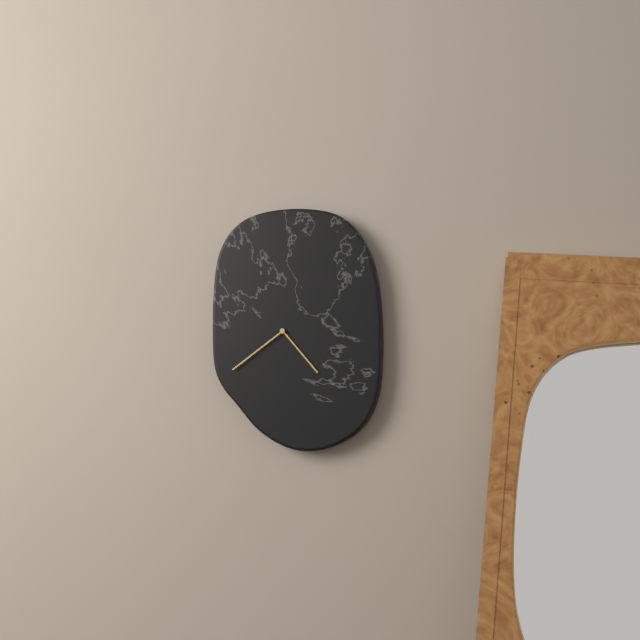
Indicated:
4 h 39 min
